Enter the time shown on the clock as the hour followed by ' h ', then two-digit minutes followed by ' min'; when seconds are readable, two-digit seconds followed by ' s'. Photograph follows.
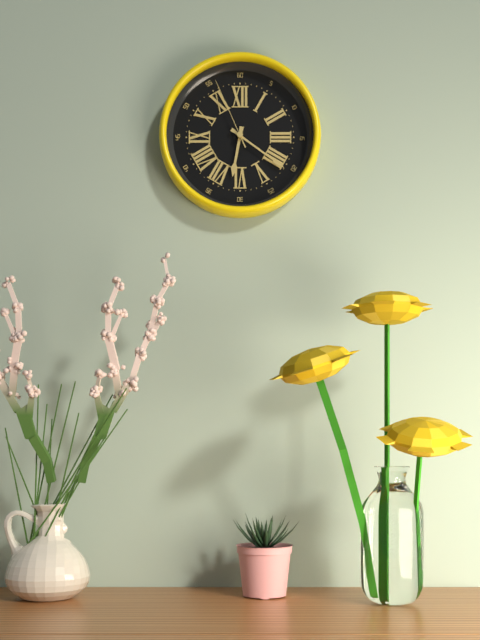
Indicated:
6 h 21 min 56 s
